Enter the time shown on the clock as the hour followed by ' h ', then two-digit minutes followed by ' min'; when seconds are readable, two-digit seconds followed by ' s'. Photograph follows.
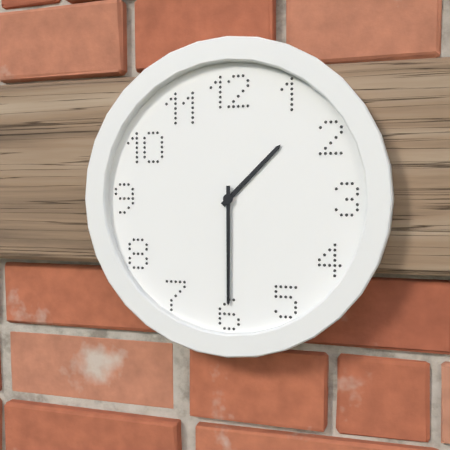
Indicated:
1 h 30 min
